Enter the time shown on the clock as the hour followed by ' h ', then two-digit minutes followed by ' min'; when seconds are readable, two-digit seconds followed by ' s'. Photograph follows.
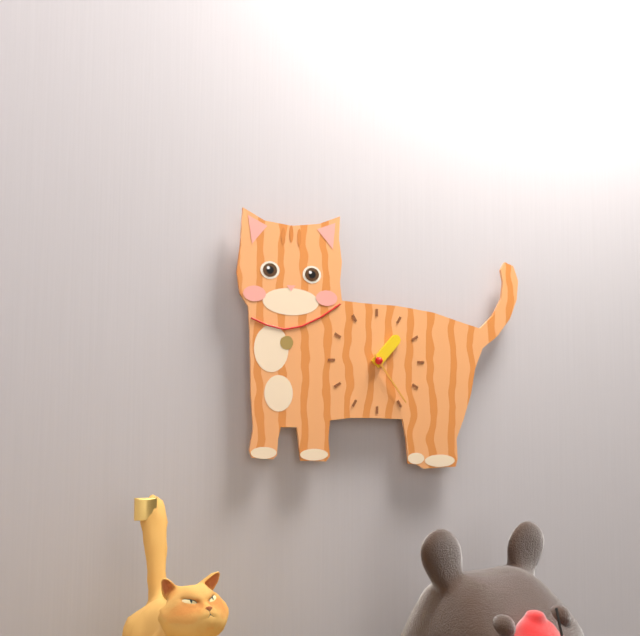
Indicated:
1 h 24 min
